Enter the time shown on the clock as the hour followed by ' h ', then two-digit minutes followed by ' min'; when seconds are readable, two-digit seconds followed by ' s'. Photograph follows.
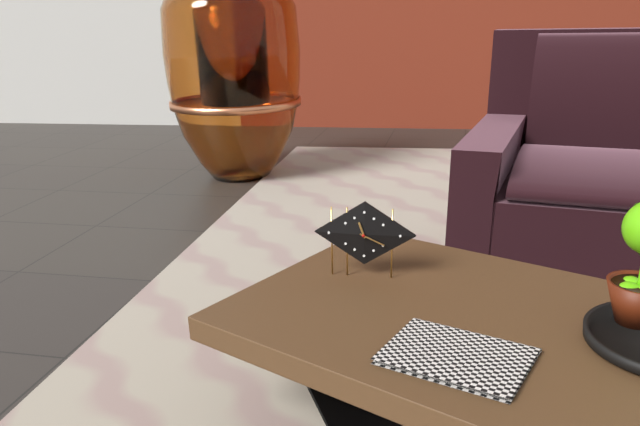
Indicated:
11 h 19 min
